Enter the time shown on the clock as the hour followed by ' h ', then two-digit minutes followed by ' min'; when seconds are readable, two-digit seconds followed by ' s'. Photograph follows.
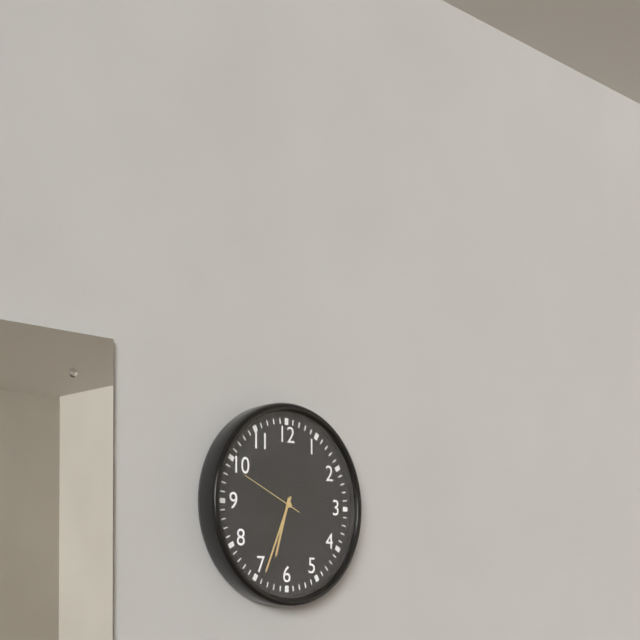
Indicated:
6 h 34 min 49 s
